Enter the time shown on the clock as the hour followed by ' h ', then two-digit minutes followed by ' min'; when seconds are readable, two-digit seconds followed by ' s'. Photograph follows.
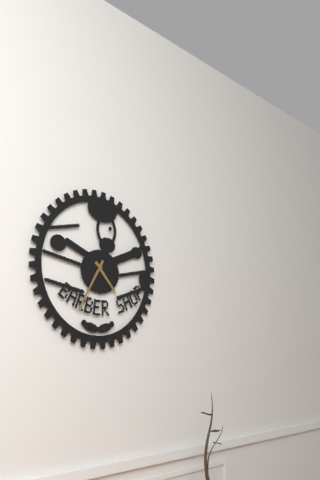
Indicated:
4 h 35 min
